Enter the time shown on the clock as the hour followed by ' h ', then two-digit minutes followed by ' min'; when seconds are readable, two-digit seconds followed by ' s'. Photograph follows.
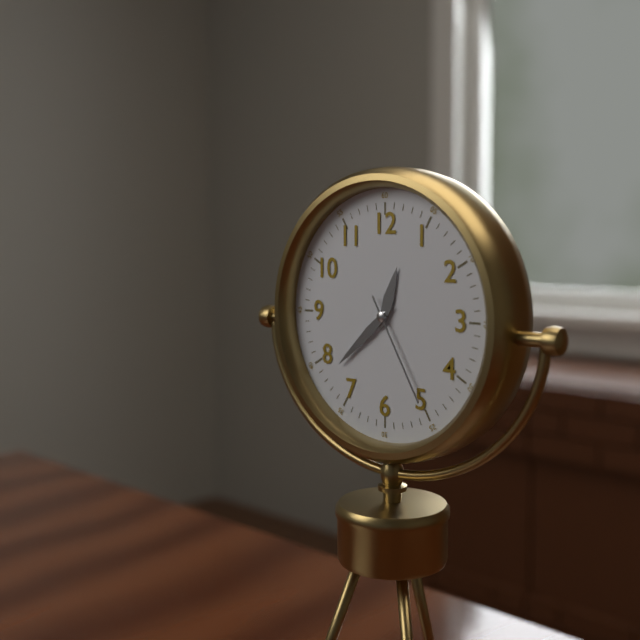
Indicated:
12 h 38 min 25 s
